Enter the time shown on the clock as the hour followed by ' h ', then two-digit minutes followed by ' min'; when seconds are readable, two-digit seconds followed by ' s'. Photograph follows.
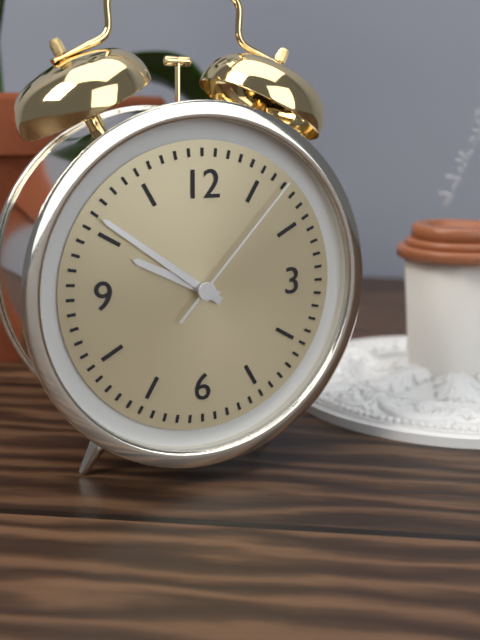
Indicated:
9 h 51 min 07 s
